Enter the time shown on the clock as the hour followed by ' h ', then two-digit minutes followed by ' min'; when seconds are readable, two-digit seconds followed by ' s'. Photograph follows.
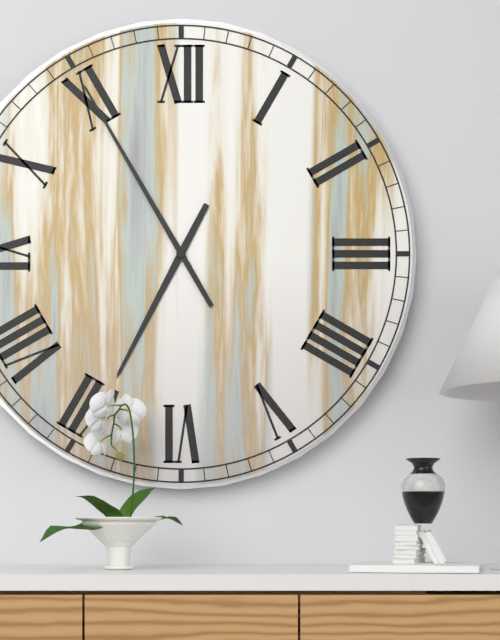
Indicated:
6 h 55 min
